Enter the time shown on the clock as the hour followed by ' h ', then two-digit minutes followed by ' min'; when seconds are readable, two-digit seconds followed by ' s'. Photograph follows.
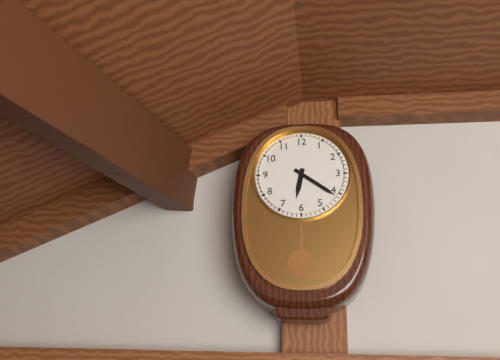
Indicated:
6 h 21 min
